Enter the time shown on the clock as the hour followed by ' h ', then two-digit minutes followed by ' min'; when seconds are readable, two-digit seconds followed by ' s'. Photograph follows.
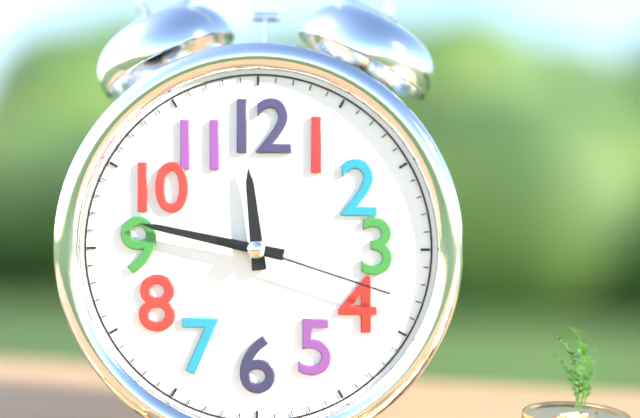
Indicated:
11 h 47 min 18 s
